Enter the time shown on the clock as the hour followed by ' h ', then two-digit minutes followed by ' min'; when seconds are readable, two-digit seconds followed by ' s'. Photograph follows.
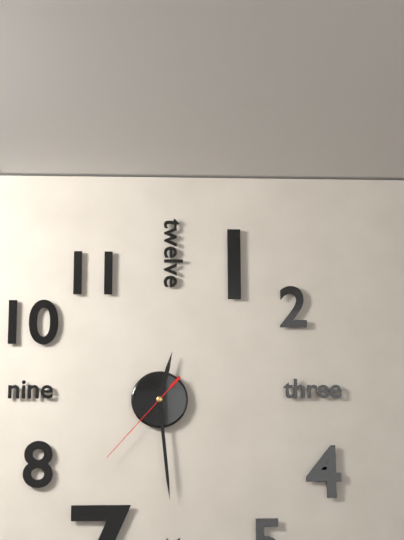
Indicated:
12 h 29 min 37 s
